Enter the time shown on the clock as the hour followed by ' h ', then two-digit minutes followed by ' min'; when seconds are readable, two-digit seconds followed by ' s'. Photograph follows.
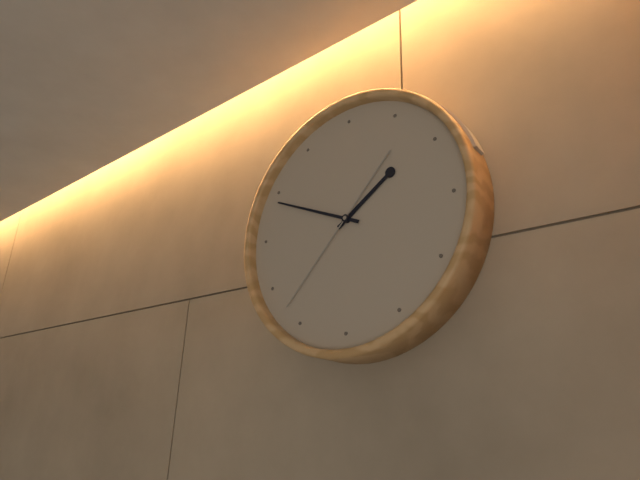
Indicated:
1 h 49 min 37 s
